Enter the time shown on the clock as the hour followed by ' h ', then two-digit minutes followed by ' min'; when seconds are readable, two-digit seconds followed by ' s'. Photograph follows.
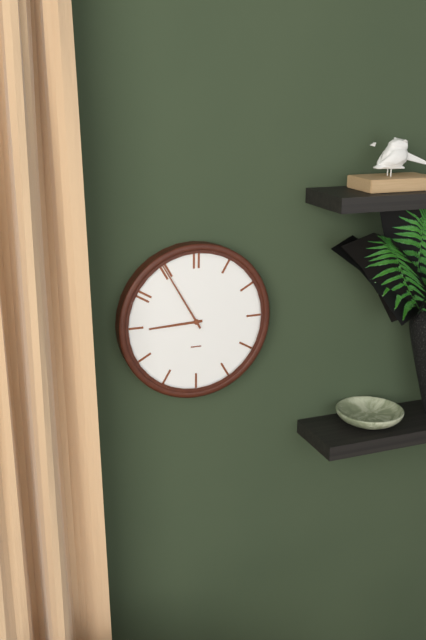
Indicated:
8 h 55 min
